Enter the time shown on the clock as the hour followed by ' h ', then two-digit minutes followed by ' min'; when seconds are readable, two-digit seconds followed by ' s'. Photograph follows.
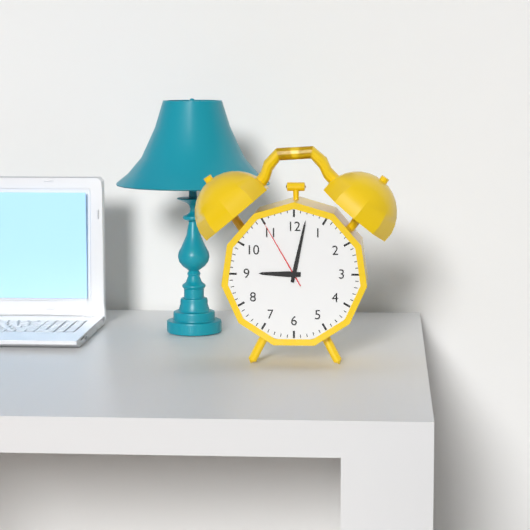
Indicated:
9 h 02 min 55 s
